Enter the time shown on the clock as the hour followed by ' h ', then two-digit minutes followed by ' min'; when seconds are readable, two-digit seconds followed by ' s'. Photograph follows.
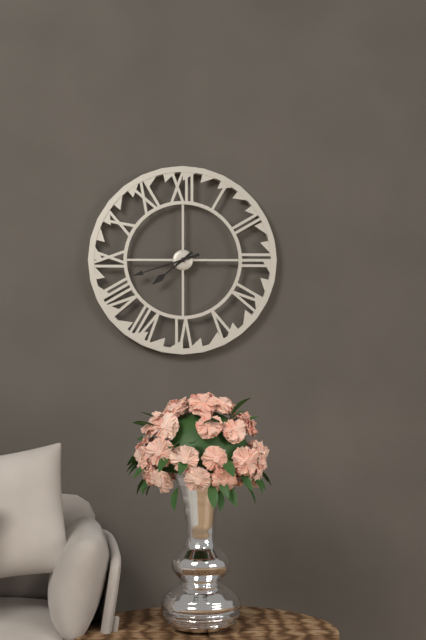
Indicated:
7 h 42 min
